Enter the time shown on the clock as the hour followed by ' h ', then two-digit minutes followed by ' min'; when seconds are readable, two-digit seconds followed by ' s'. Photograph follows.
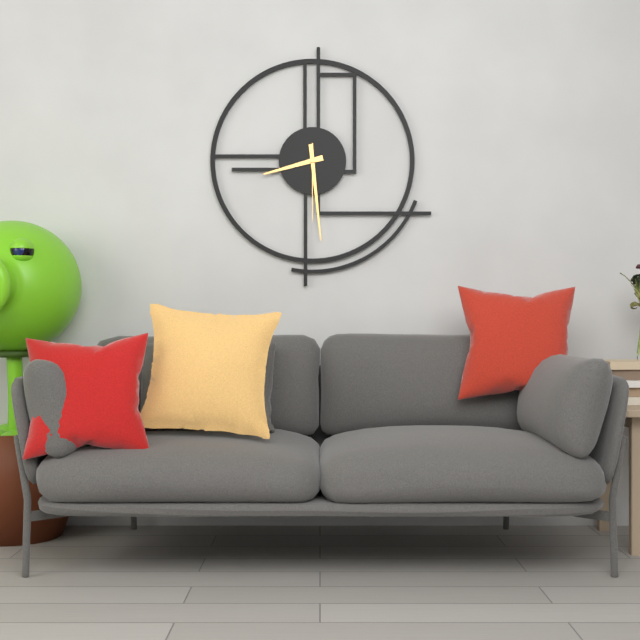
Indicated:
8 h 29 min 30 s
